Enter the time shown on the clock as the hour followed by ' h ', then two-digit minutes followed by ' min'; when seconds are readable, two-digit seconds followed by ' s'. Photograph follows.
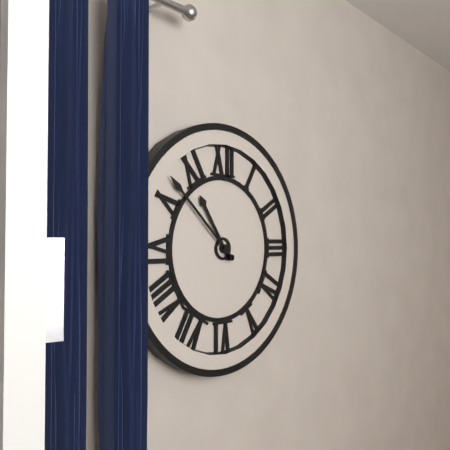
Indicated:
10 h 52 min
